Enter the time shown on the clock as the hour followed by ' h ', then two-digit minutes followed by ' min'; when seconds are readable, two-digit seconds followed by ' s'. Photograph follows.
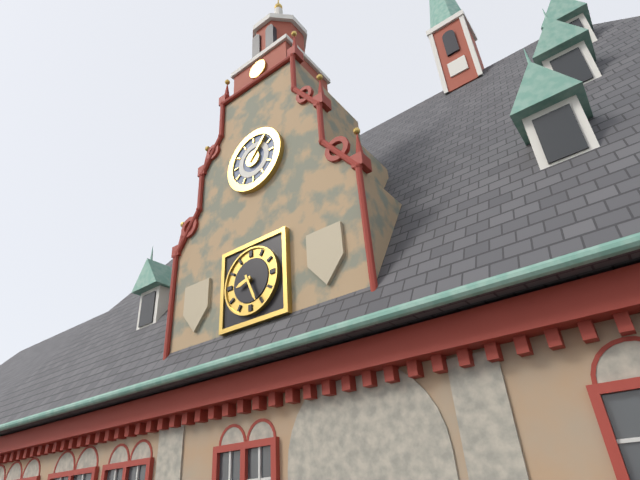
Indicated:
8 h 26 min
